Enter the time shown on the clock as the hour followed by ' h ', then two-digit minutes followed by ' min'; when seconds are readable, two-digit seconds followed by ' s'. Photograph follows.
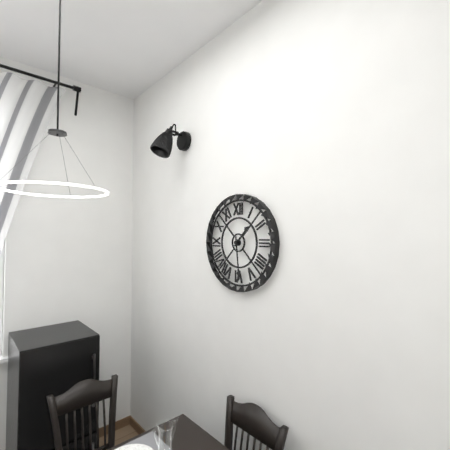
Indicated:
1 h 29 min
